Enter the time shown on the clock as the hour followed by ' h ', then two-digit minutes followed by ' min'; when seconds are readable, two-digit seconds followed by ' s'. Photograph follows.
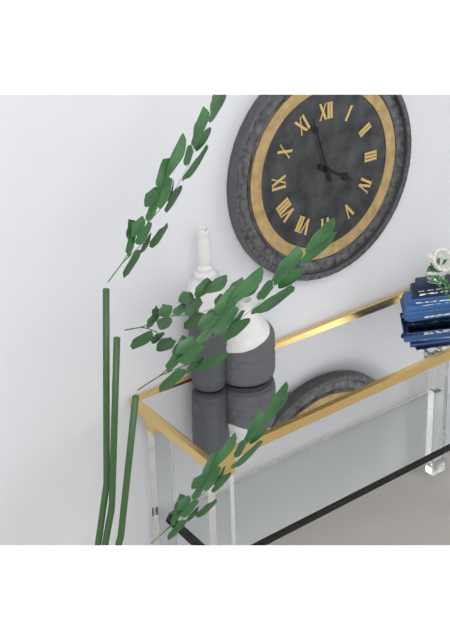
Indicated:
3 h 57 min
